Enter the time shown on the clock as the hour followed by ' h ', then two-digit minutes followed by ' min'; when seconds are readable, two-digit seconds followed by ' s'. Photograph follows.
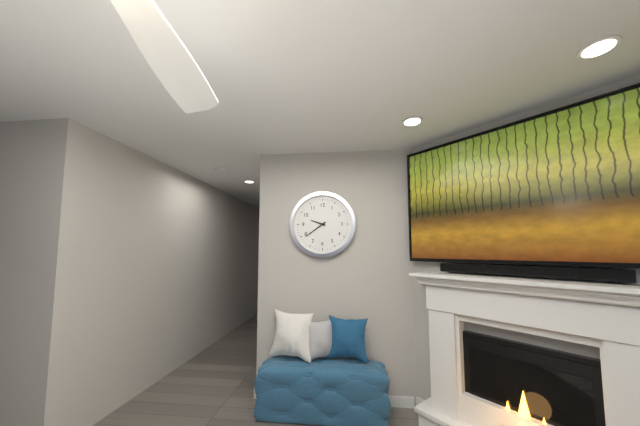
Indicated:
9 h 39 min
